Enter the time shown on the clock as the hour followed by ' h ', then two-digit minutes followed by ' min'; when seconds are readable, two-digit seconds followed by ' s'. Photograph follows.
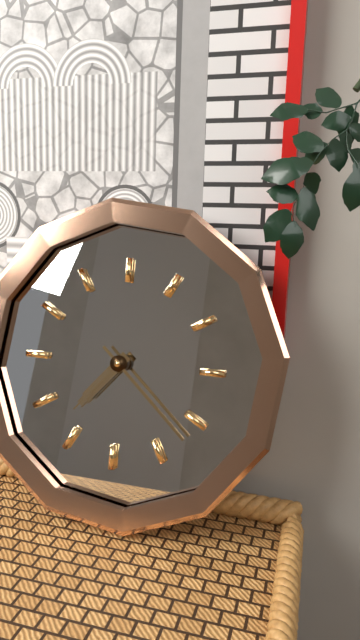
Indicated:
7 h 22 min
